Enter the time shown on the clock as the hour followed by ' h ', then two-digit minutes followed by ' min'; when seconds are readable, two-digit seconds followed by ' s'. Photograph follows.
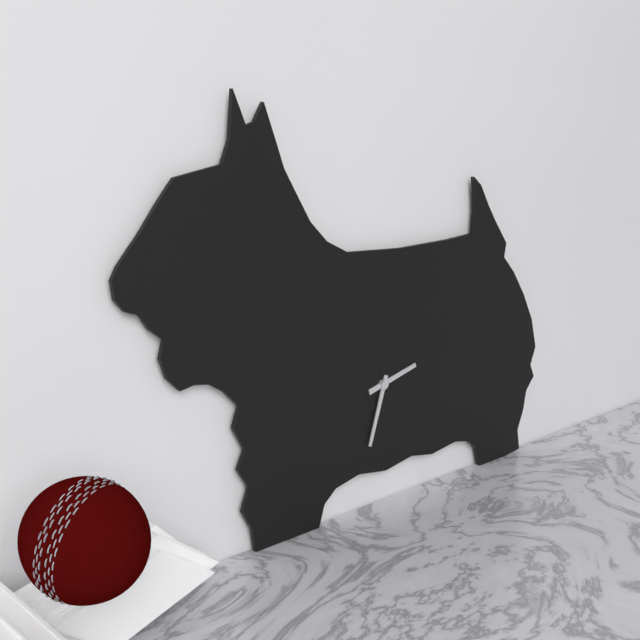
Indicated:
2 h 33 min
